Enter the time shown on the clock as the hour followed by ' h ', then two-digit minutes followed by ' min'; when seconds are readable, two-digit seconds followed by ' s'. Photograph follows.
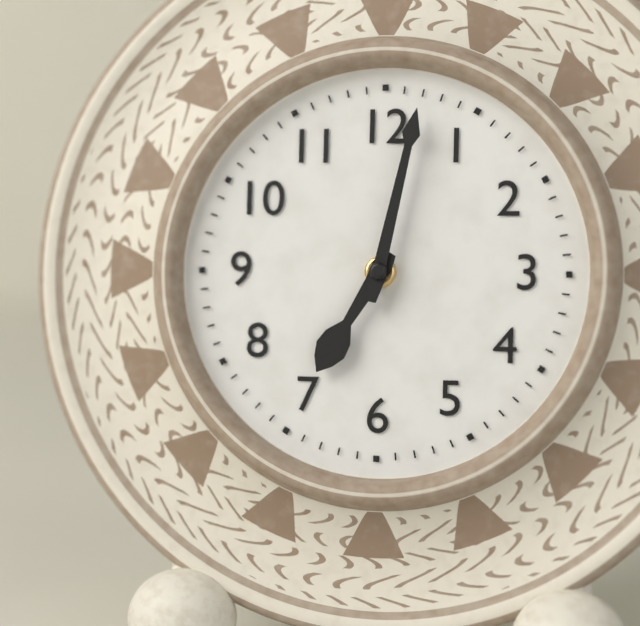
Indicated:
7 h 02 min
